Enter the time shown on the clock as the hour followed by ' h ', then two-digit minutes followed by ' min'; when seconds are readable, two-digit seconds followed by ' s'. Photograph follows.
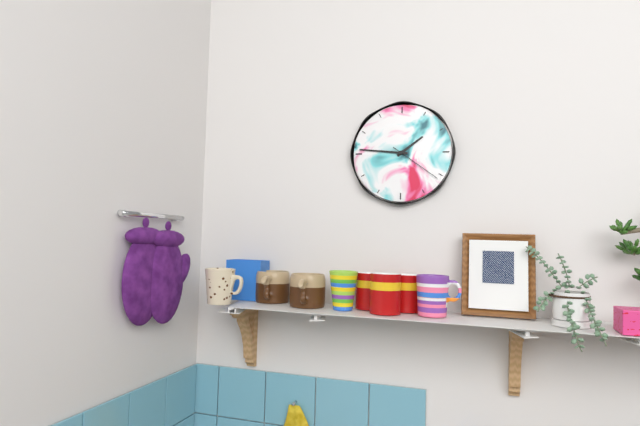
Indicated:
1 h 46 min 21 s
